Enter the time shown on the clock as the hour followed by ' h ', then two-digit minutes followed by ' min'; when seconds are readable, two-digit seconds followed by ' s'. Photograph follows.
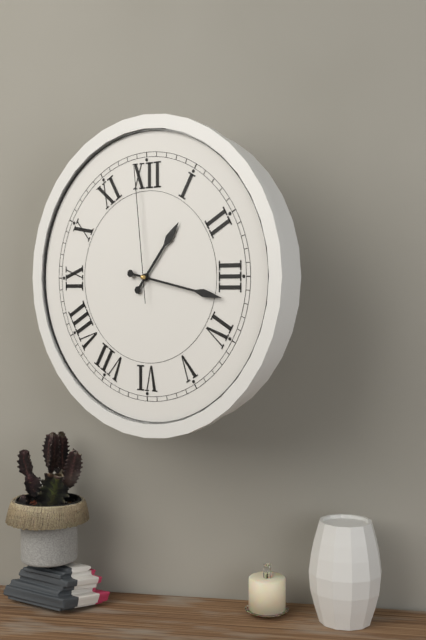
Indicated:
1 h 17 min 59 s
